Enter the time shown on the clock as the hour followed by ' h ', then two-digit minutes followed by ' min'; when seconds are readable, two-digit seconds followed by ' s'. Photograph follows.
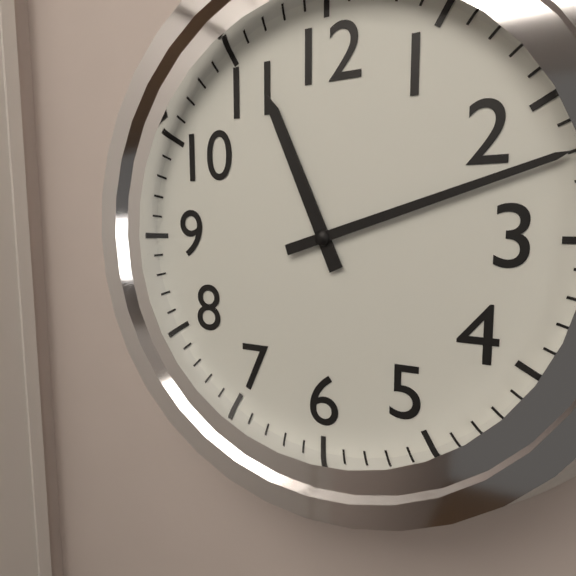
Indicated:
11 h 12 min
